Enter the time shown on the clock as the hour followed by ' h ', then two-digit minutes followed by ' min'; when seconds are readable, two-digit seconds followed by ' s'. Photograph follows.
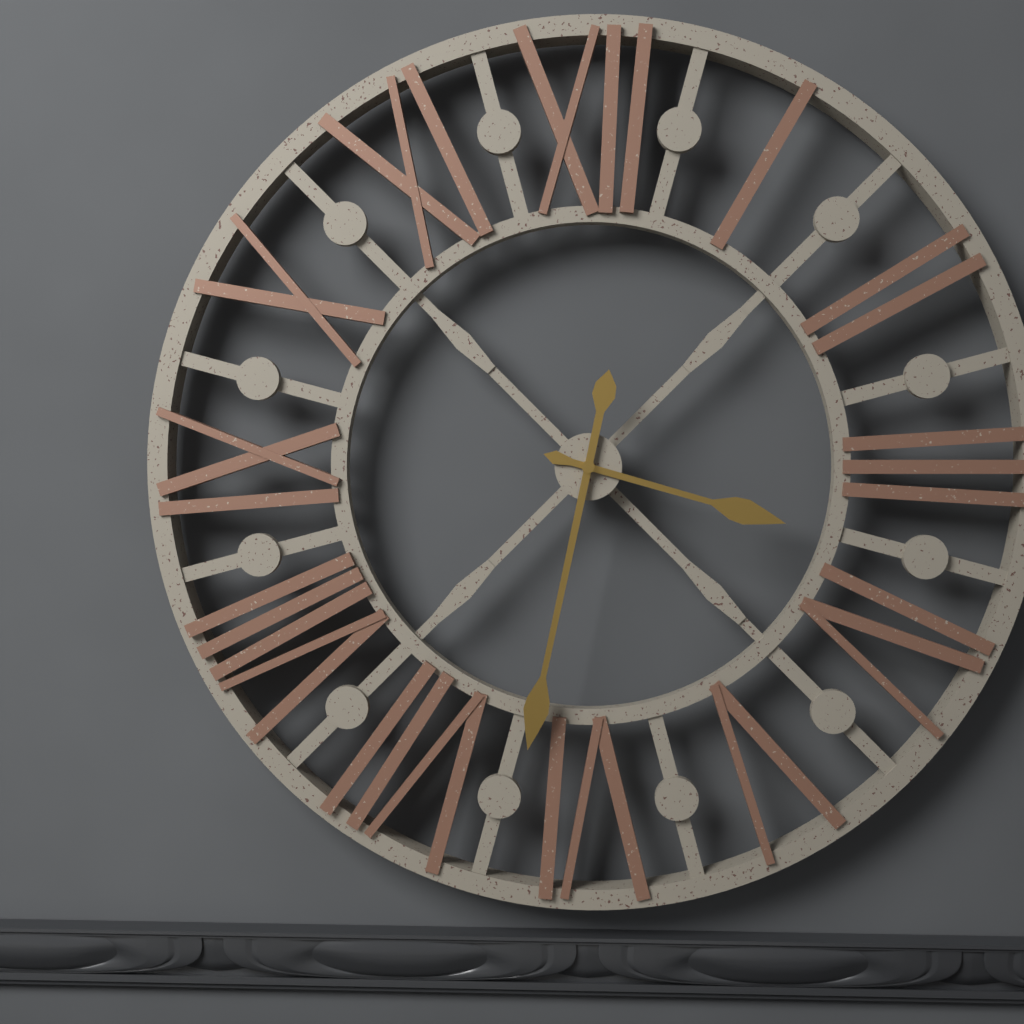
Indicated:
3 h 32 min
